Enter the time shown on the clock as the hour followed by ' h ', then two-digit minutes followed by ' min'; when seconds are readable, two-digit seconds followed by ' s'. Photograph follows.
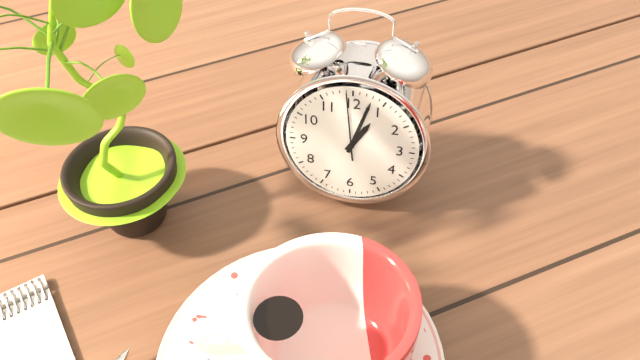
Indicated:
1 h 03 min 59 s
